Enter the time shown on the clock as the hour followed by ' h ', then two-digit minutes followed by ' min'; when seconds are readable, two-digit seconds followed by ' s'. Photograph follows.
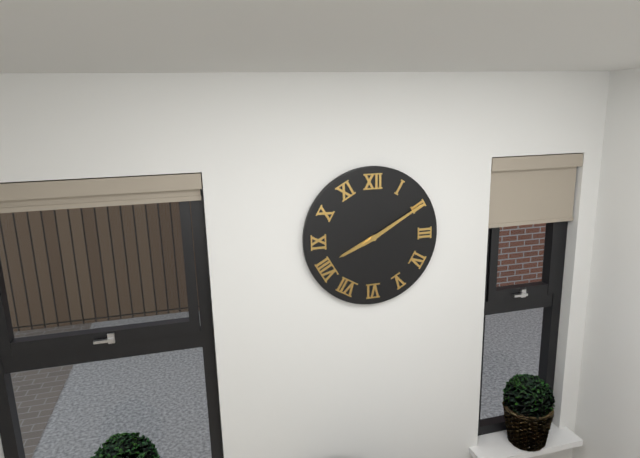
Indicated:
8 h 10 min
